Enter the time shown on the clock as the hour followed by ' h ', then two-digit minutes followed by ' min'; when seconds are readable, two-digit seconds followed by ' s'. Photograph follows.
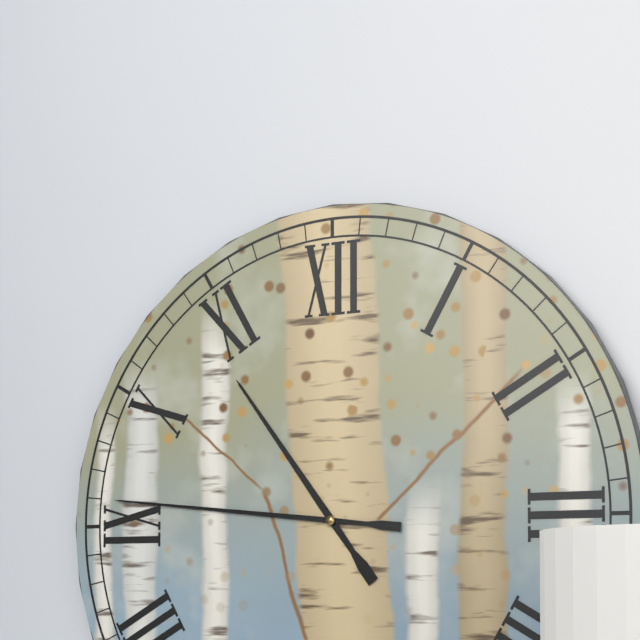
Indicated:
10 h 46 min
